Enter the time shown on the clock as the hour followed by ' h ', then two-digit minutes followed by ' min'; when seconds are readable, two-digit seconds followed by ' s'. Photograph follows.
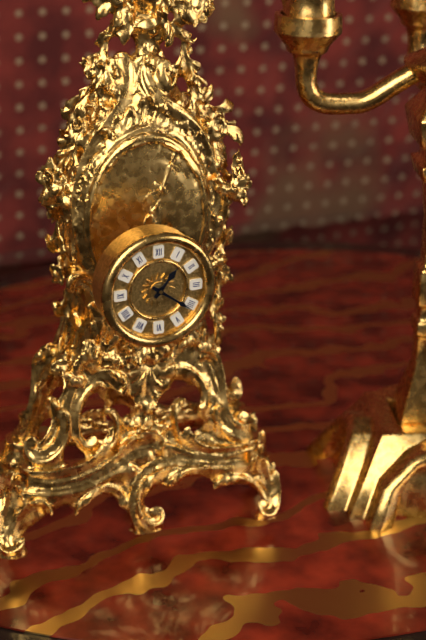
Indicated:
1 h 21 min
